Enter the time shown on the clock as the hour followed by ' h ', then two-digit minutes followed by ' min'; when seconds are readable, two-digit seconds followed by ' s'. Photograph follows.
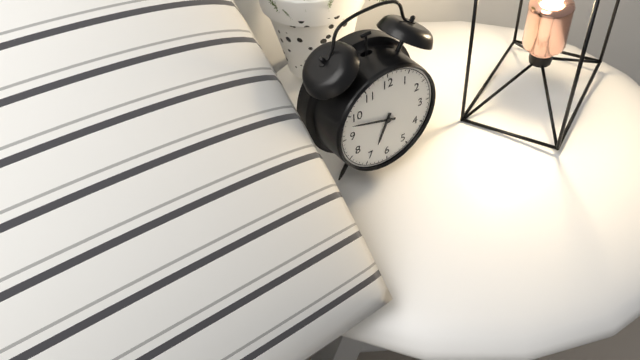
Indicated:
6 h 48 min
